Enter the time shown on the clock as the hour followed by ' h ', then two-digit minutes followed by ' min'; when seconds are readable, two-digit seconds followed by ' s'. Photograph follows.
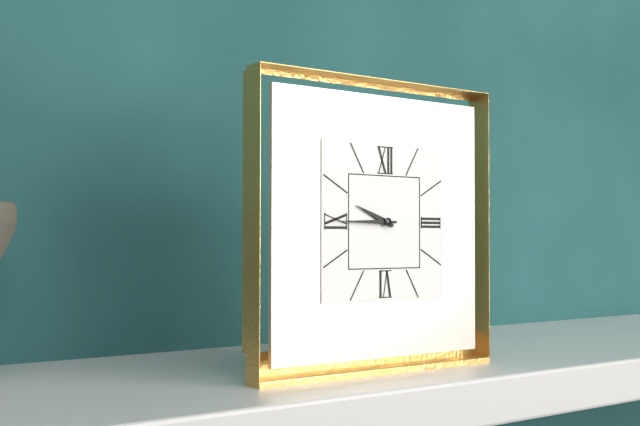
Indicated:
9 h 45 min
